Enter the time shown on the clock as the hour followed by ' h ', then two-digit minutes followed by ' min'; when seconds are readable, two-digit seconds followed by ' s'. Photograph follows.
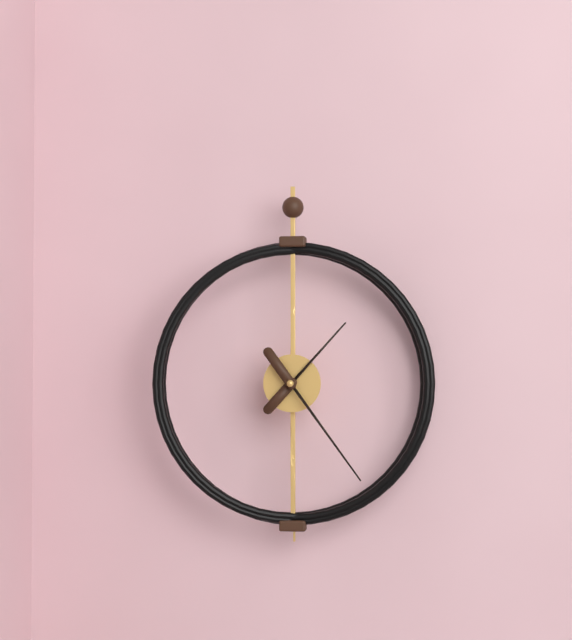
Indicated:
1 h 24 min
